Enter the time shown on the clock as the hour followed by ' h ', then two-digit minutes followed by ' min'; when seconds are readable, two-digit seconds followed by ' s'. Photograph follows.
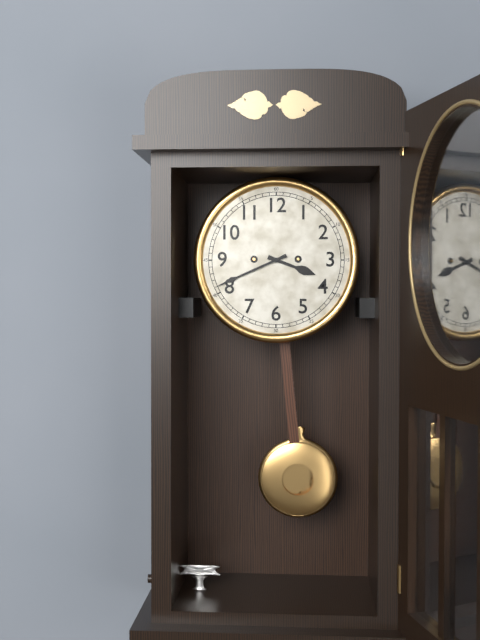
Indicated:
3 h 41 min
